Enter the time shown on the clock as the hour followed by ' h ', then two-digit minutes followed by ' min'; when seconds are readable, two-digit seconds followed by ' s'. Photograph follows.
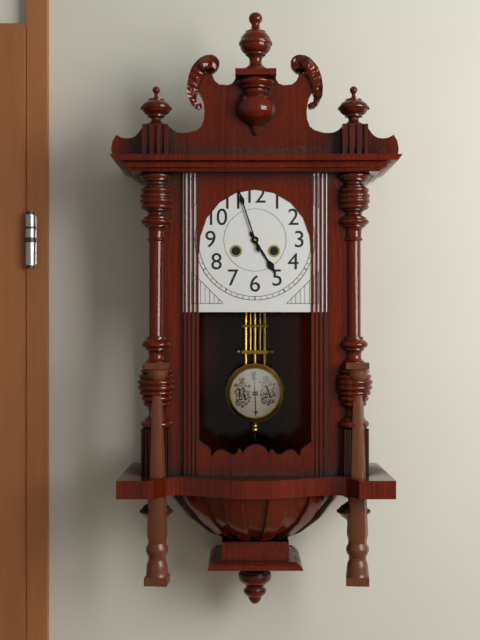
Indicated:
4 h 57 min
